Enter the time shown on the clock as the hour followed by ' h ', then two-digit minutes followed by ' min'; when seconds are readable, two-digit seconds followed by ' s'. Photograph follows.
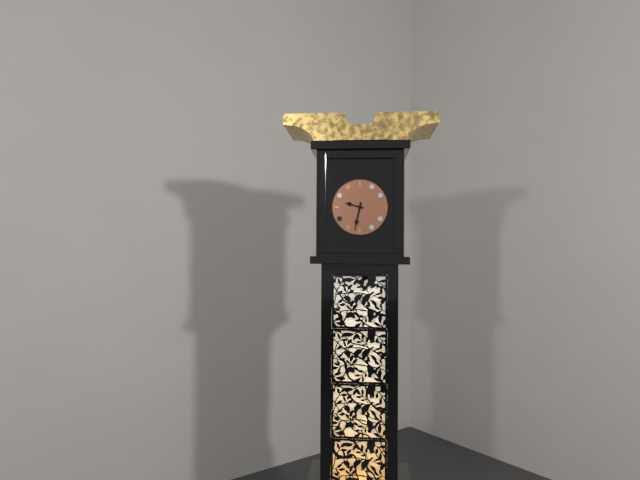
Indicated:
9 h 32 min
